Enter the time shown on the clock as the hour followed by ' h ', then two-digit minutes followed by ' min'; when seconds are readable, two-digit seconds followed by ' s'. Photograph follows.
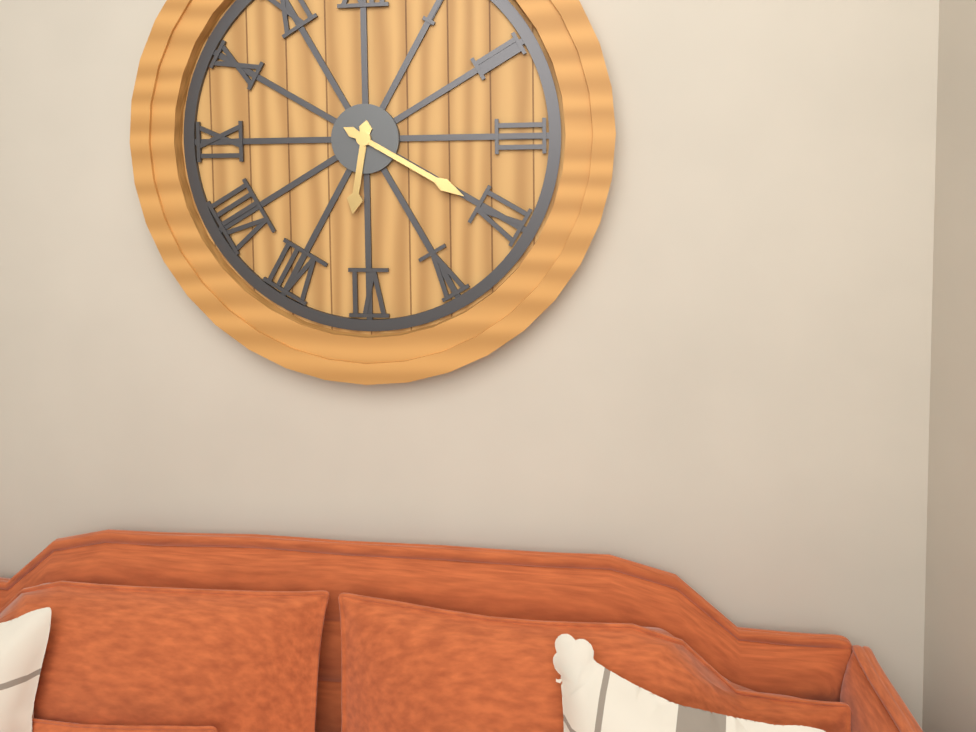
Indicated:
6 h 20 min
